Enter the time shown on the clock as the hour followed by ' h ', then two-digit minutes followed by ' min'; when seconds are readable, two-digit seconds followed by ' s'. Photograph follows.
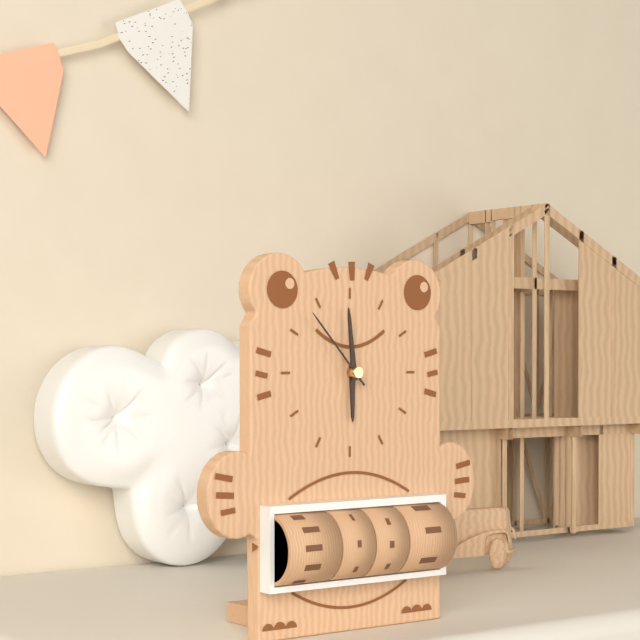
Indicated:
5 h 59 min 53 s
